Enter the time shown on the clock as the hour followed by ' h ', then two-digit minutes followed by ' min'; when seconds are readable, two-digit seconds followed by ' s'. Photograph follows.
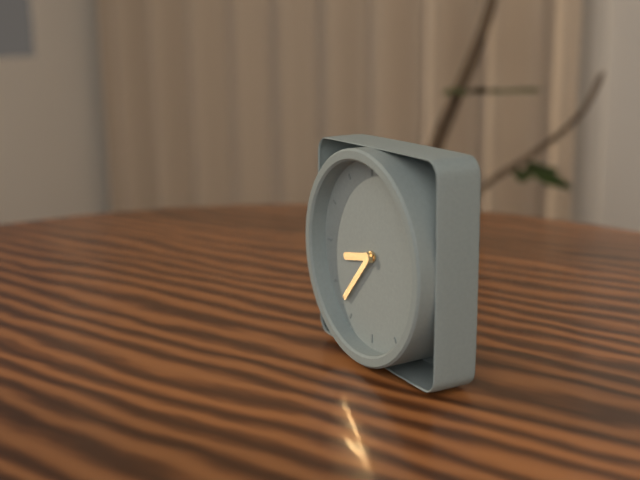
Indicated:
8 h 37 min
